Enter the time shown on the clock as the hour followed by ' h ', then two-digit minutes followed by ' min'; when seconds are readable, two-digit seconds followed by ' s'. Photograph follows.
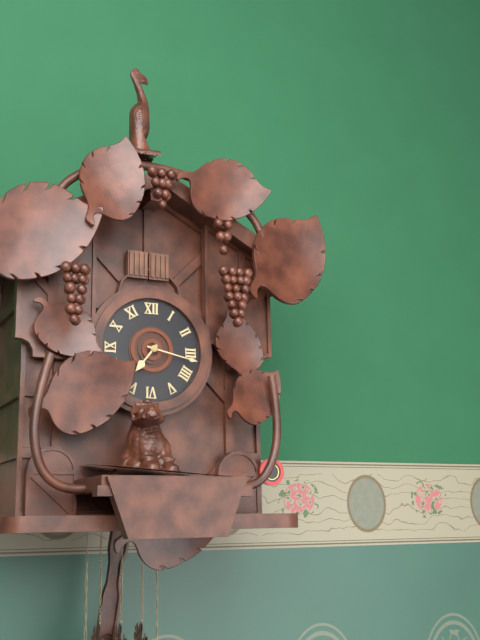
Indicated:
7 h 17 min
